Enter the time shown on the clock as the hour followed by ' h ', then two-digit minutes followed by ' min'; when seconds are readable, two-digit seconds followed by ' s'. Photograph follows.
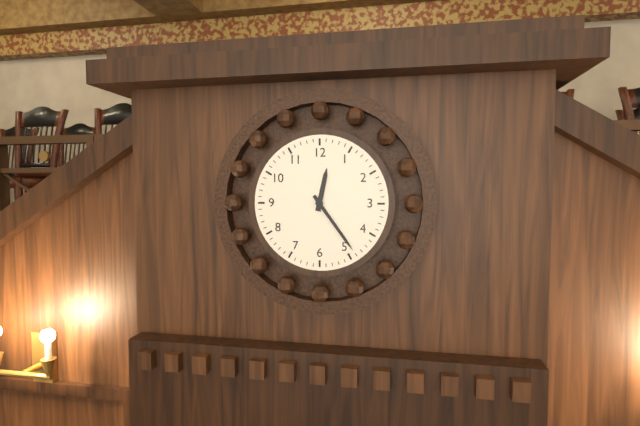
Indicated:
12 h 24 min
